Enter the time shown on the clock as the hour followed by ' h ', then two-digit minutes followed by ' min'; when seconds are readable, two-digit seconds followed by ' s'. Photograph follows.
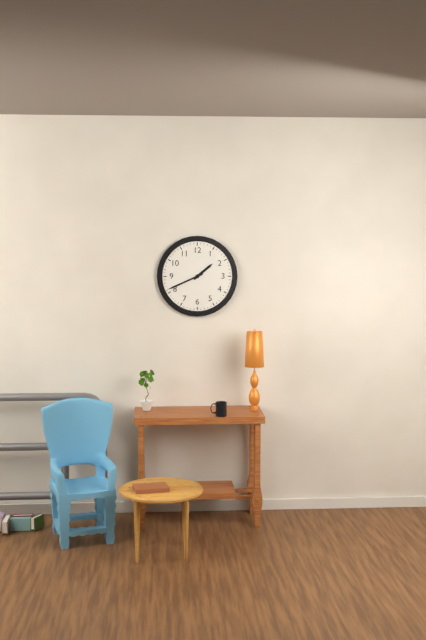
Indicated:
1 h 41 min
